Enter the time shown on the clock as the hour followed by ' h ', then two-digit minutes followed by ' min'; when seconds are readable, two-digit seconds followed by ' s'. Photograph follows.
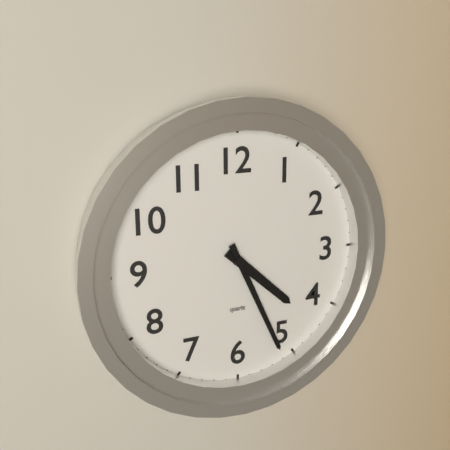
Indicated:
4 h 26 min
